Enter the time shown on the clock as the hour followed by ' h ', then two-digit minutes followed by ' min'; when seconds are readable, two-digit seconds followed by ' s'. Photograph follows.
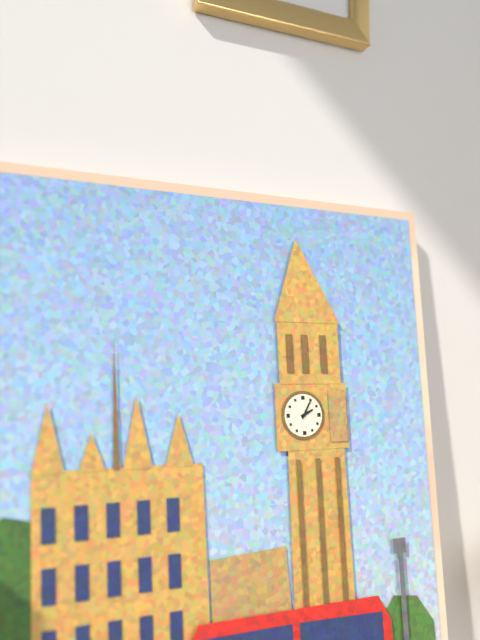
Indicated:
2 h 05 min
